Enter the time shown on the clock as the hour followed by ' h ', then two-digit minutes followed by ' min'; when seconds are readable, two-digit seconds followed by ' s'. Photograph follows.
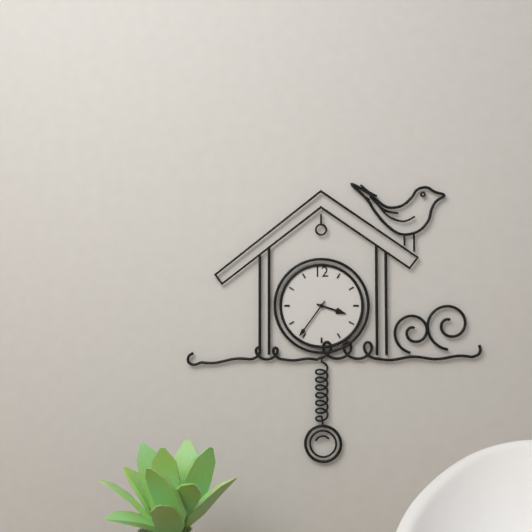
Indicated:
3 h 36 min
